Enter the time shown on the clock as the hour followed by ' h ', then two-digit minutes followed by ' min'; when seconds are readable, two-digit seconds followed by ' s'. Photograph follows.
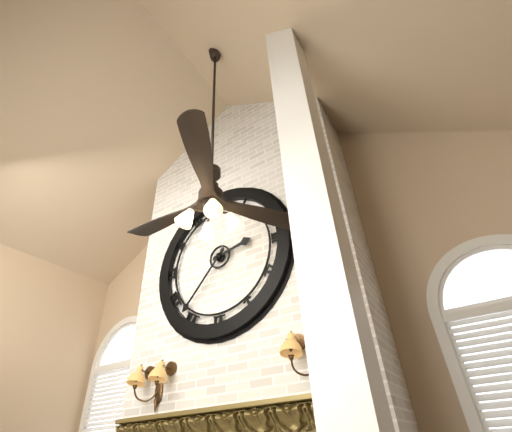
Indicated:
2 h 37 min
